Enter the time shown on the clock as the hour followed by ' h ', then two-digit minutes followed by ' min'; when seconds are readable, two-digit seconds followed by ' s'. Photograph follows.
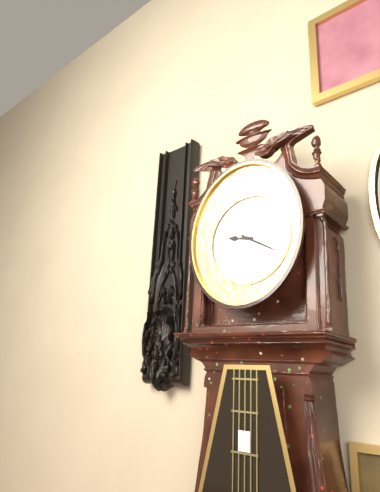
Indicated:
9 h 20 min
